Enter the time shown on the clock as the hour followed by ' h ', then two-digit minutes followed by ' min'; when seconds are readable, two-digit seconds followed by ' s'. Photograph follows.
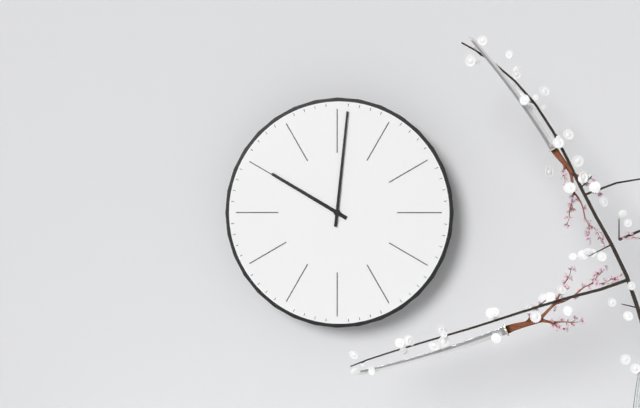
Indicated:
10 h 01 min
